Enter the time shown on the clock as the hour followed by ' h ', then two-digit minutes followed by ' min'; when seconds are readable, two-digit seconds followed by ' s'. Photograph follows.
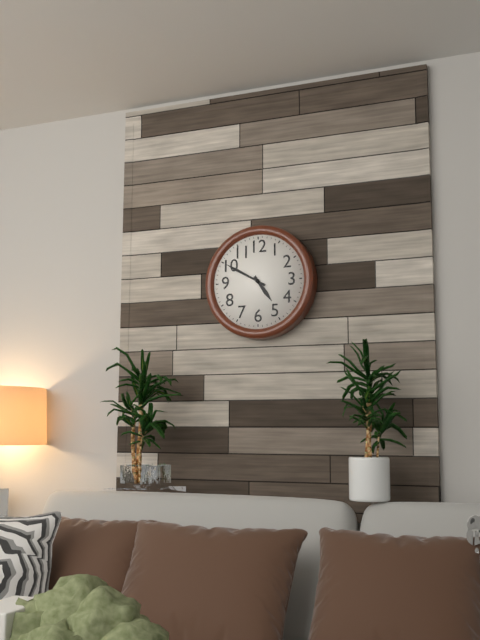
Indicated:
4 h 50 min
